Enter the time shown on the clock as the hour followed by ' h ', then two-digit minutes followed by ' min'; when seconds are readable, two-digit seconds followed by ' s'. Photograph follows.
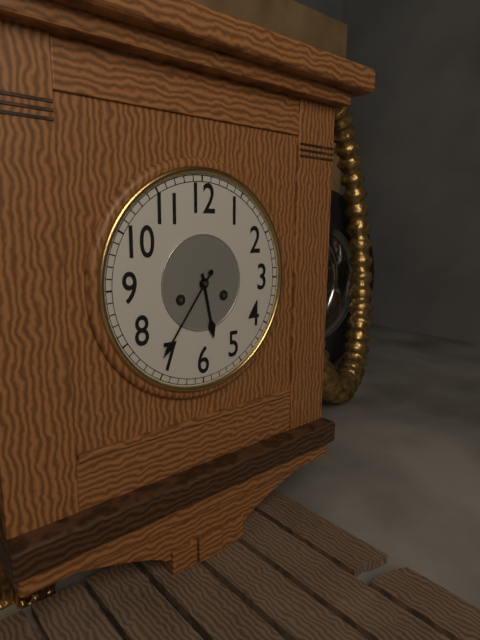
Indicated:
5 h 36 min
